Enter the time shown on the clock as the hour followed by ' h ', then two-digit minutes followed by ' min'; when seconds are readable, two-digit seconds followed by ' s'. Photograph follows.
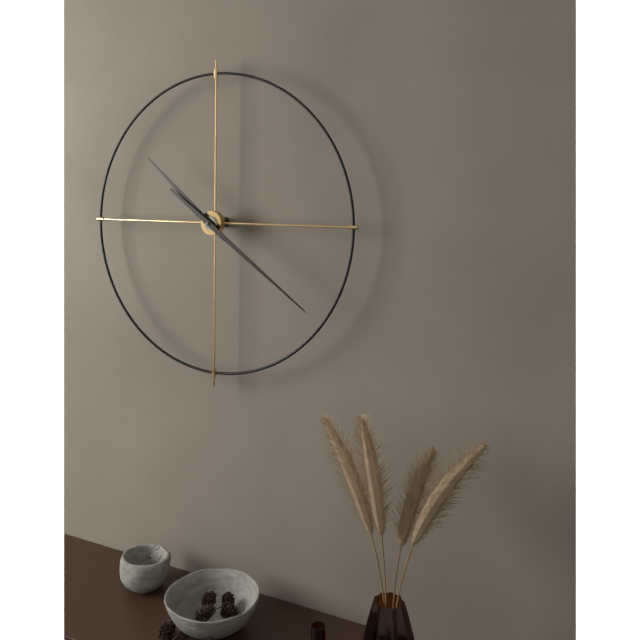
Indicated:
10 h 21 min
